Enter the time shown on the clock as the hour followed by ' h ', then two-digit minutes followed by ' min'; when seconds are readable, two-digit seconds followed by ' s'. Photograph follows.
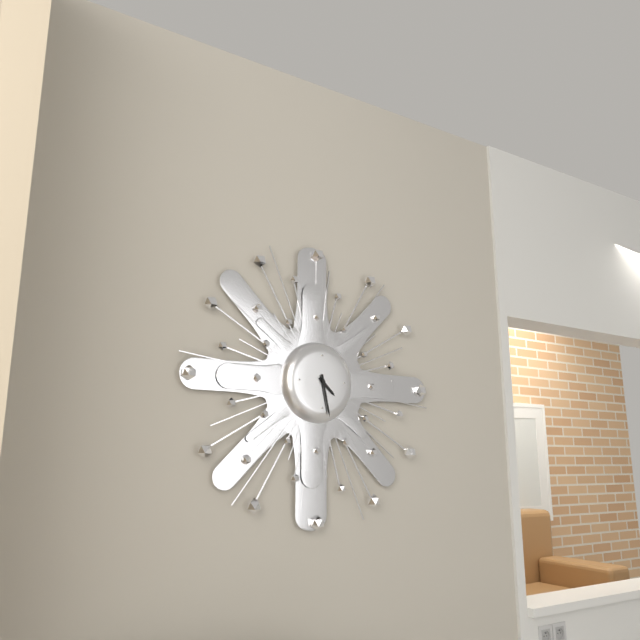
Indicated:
4 h 28 min
